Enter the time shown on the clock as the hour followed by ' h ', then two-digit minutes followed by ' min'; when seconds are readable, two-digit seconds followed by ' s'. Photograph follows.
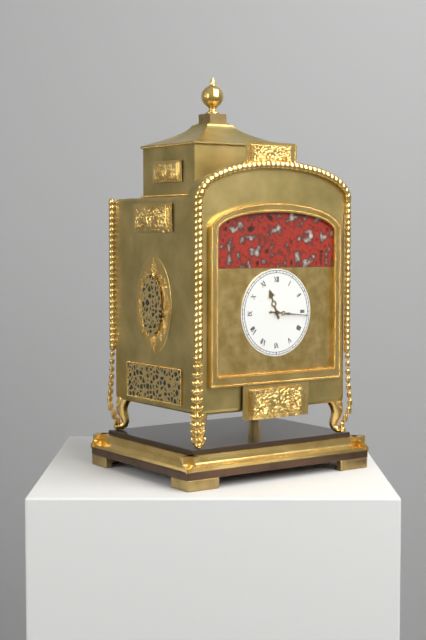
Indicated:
11 h 16 min
